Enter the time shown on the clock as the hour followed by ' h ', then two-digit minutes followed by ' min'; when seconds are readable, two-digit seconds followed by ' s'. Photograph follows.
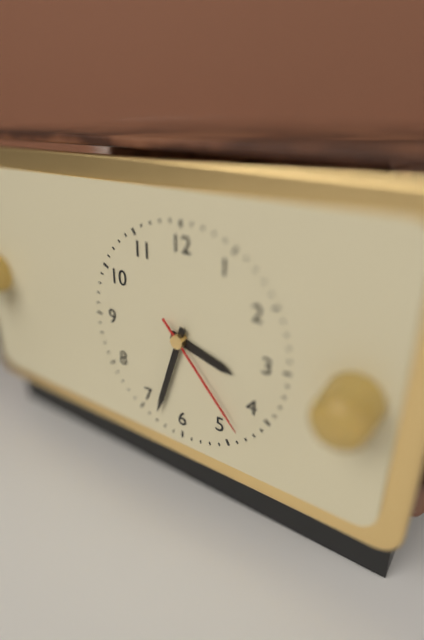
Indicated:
3 h 33 min 23 s
